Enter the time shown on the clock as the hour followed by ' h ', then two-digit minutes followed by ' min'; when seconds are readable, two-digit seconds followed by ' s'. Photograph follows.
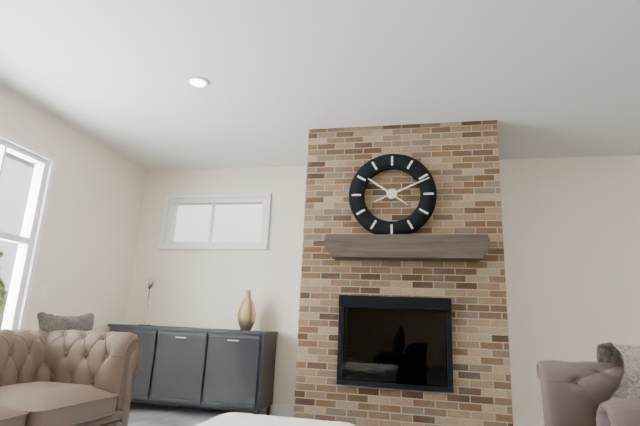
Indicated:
10 h 11 min
